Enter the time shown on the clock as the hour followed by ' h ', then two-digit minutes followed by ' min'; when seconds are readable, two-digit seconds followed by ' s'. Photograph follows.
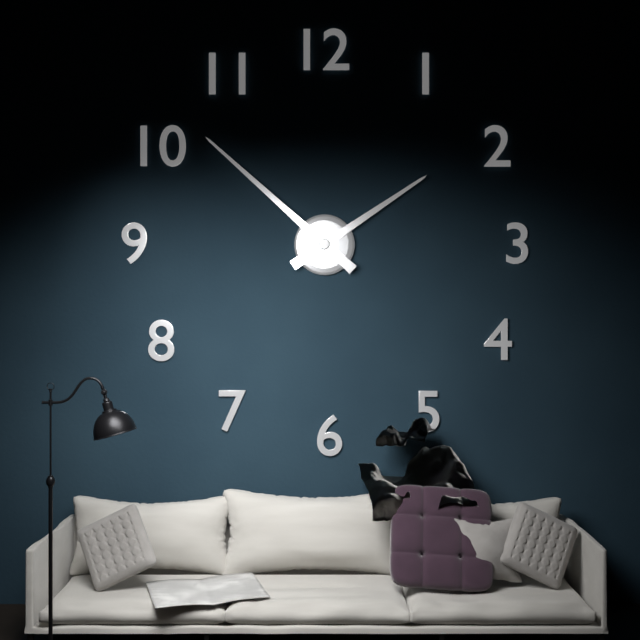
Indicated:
1 h 52 min
